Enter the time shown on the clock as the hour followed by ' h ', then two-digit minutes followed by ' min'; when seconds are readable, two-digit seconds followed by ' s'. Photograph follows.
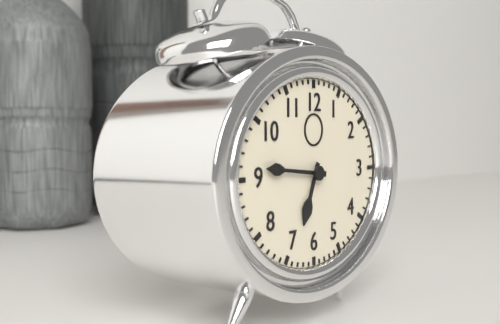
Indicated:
6 h 46 min
